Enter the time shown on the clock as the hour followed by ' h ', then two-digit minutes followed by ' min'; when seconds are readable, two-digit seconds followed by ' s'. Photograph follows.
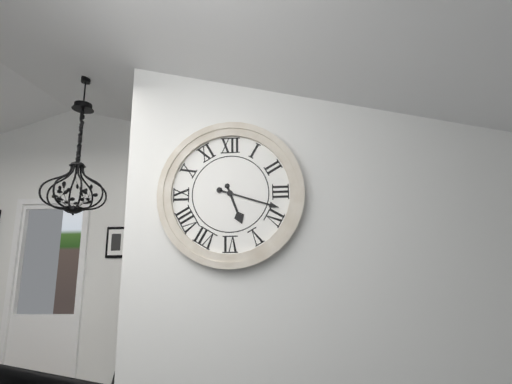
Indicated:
5 h 18 min
